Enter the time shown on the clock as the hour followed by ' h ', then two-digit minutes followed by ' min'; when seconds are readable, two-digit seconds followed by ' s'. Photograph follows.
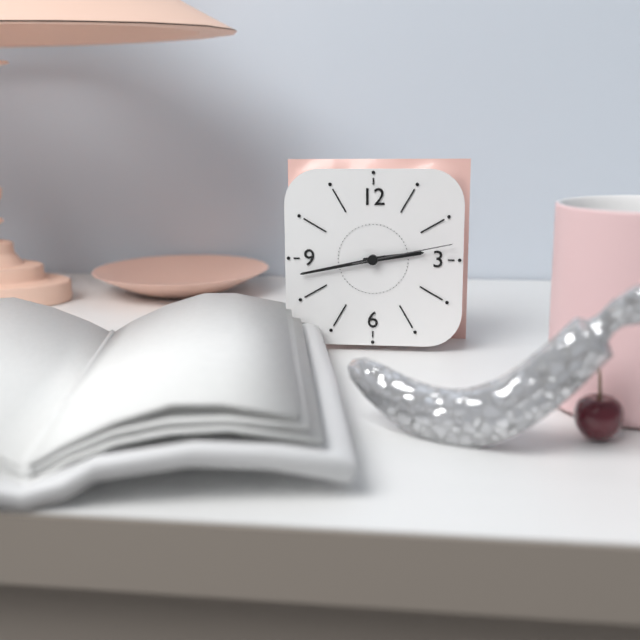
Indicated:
2 h 43 min 13 s
